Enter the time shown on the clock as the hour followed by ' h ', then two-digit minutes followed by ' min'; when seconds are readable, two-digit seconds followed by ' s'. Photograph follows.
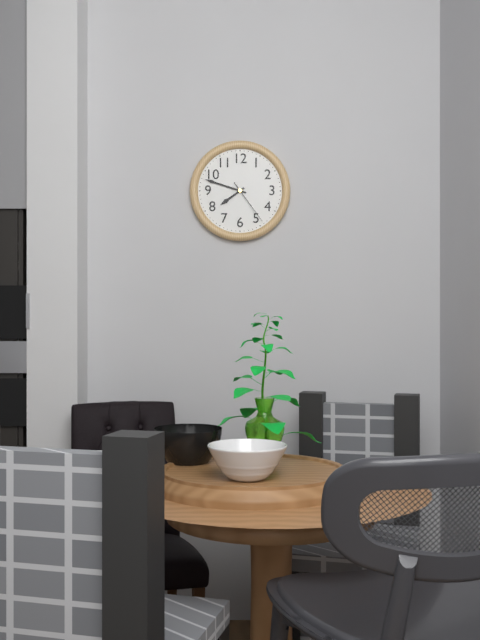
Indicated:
7 h 48 min
